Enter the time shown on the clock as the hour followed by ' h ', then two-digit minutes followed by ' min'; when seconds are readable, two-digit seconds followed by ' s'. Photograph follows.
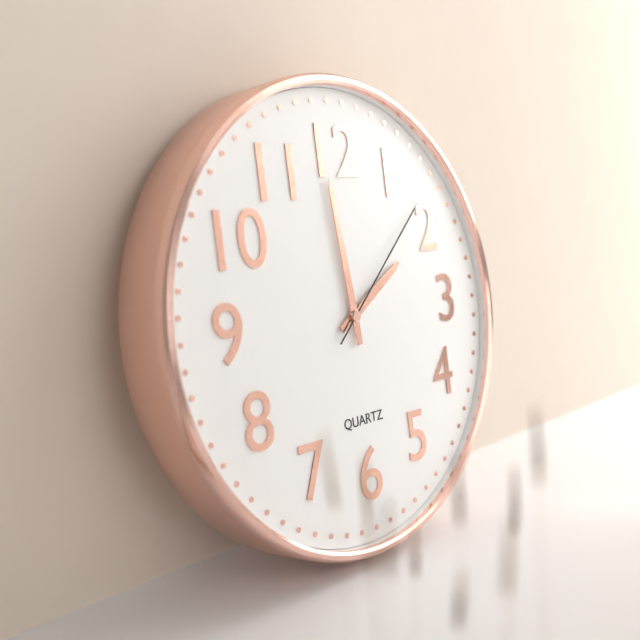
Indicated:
1 h 59 min 08 s
